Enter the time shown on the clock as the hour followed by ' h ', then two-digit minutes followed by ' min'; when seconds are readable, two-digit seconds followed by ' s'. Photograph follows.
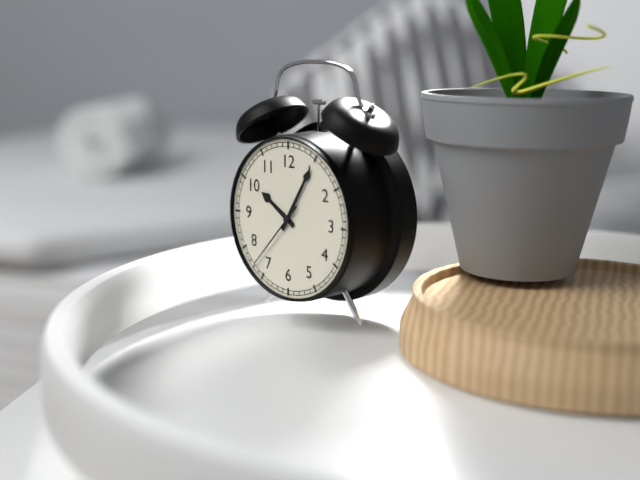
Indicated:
10 h 05 min 37 s
